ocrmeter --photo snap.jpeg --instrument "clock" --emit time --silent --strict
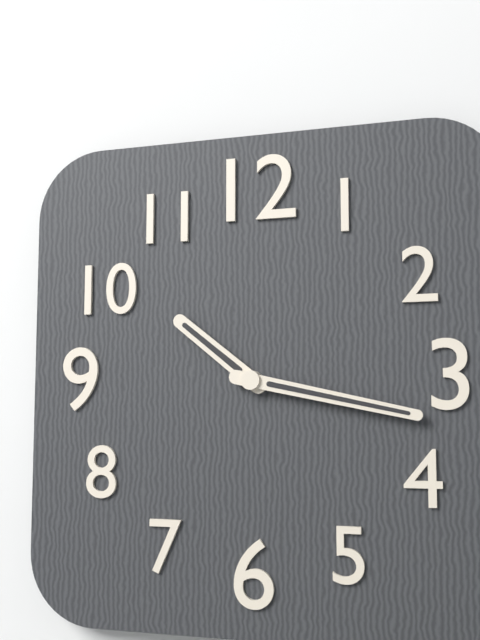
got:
10:17
